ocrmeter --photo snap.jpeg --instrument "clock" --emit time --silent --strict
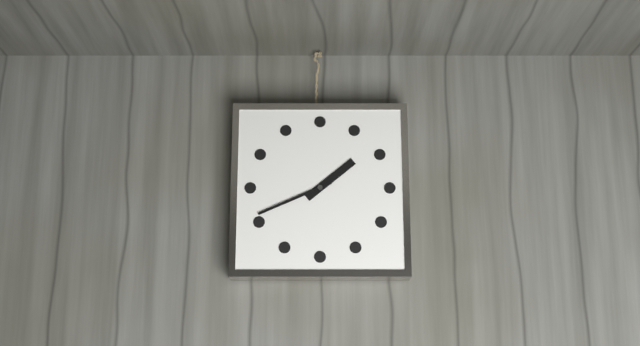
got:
1:41
